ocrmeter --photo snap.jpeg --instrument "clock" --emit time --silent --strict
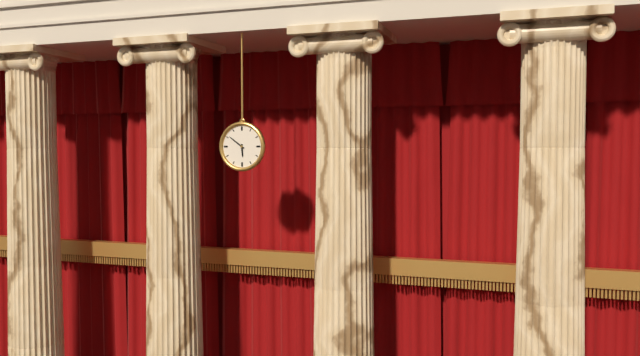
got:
5:51
